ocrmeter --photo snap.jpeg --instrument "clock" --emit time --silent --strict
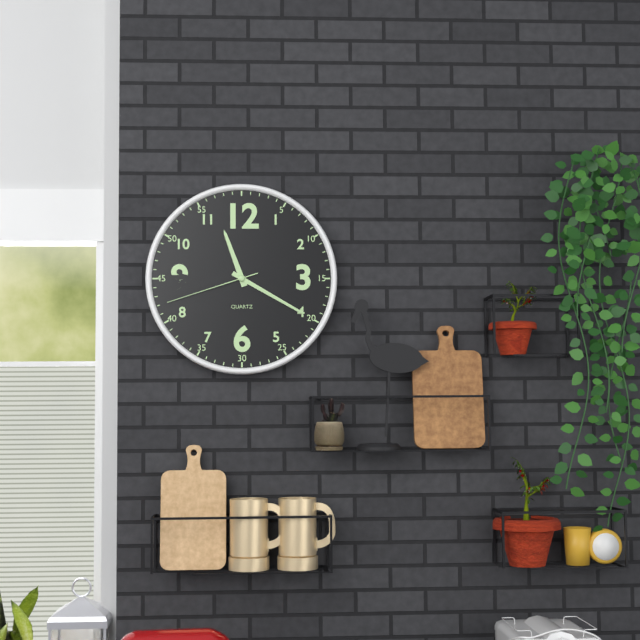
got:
11:20:42
